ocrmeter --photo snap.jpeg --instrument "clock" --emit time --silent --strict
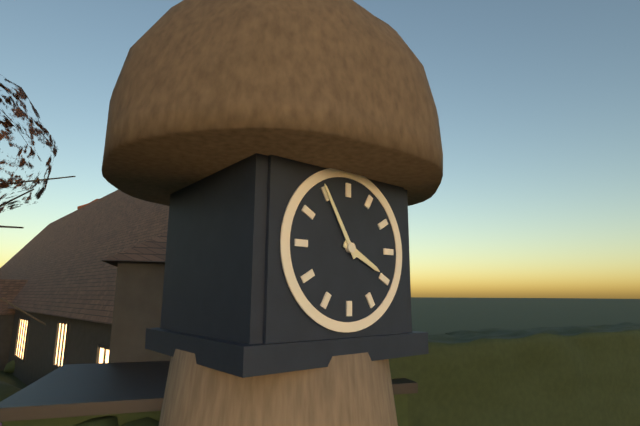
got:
3:55
